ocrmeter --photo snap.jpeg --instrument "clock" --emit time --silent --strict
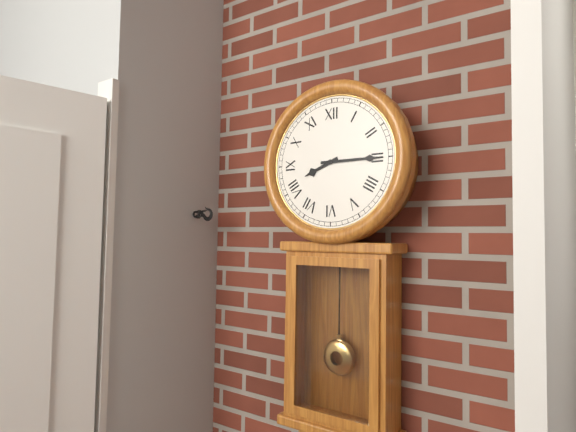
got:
8:15
